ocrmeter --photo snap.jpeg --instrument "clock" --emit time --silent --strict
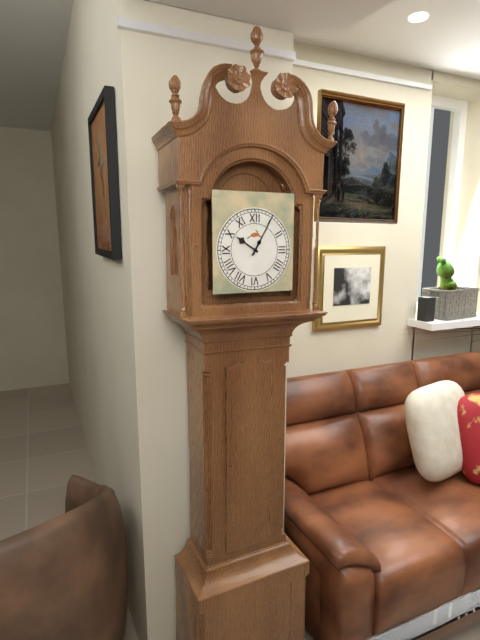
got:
10:05
